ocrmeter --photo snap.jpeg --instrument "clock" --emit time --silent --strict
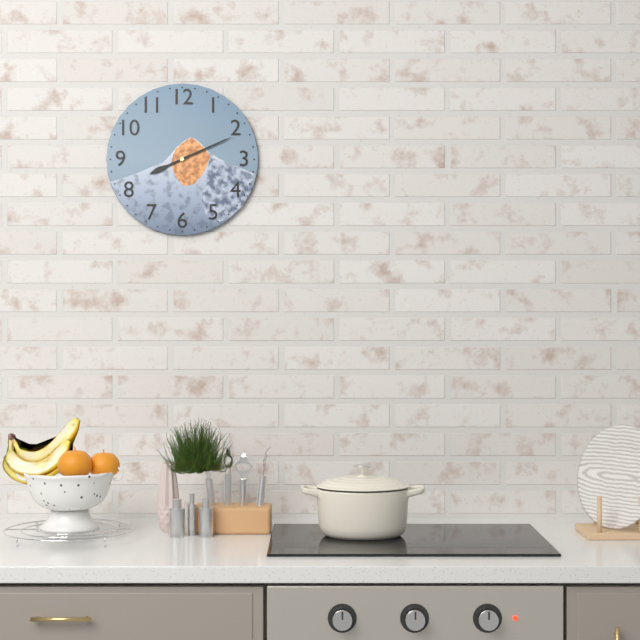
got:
8:11
